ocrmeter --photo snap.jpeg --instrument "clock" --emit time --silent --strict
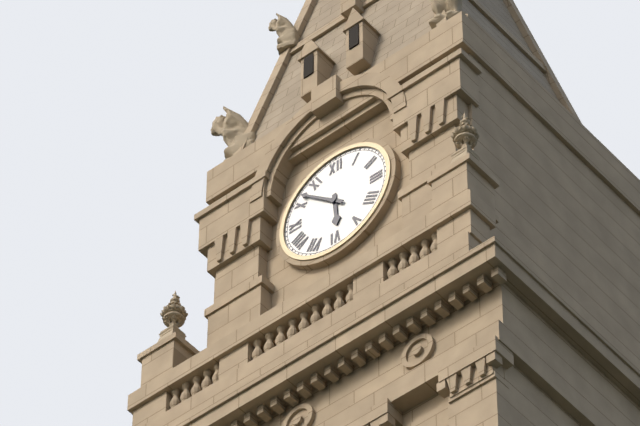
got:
5:52
